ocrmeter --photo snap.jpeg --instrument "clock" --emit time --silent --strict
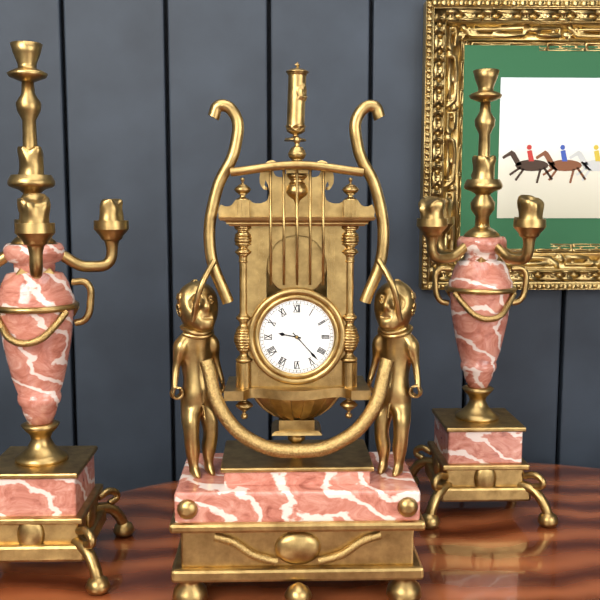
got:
9:23
